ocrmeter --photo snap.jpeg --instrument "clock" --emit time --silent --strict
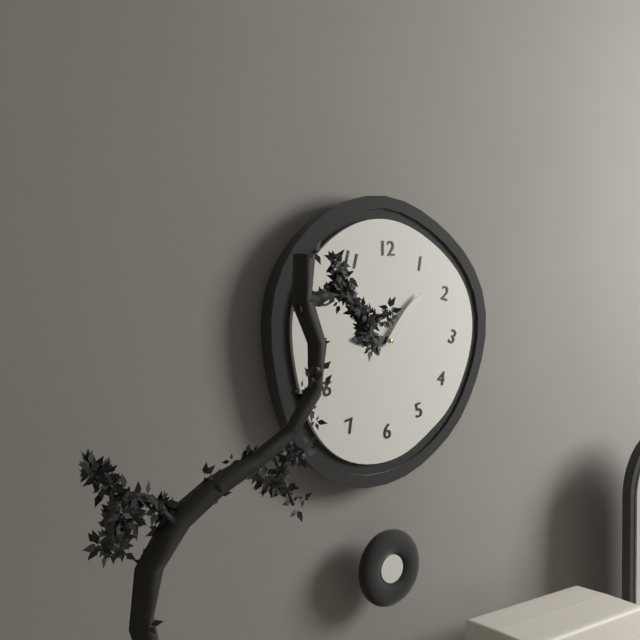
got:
9:07
